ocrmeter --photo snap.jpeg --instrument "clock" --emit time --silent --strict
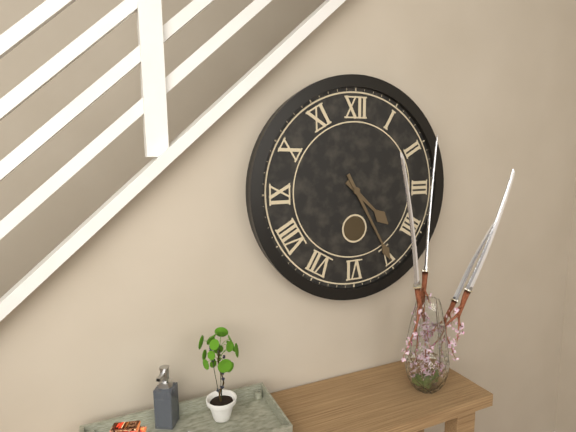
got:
4:25
